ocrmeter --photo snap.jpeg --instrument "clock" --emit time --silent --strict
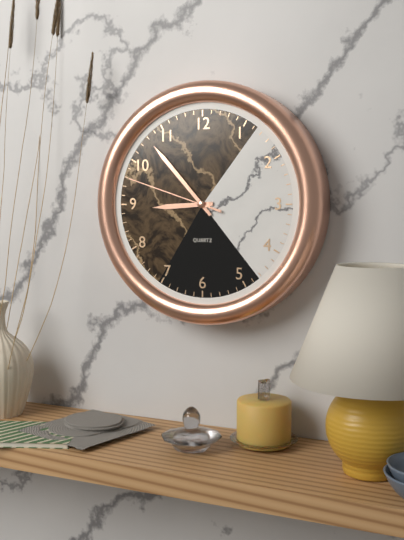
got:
8:53:48
